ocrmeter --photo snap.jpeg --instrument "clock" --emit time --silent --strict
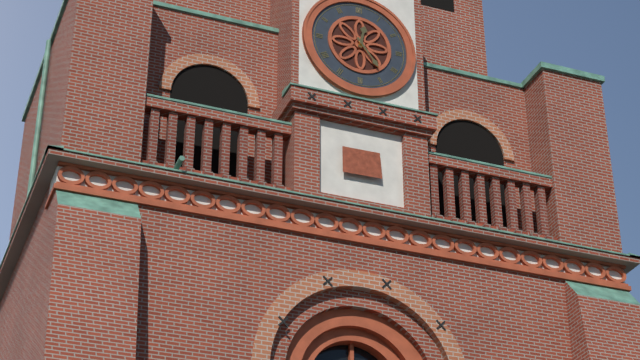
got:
12:24
